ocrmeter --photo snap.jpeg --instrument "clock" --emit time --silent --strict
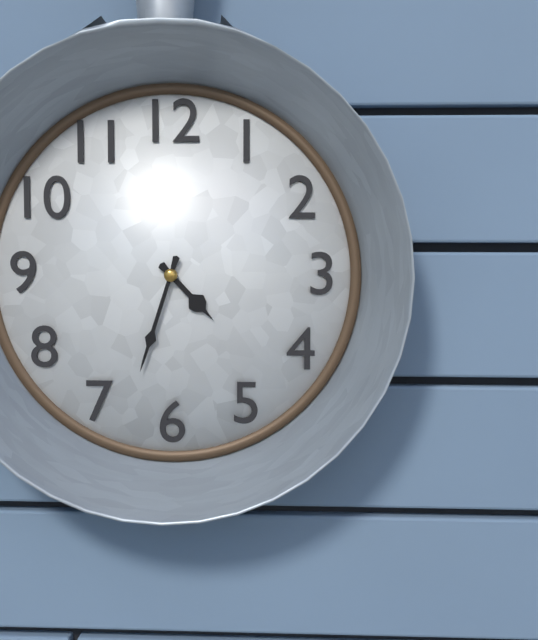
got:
4:33
